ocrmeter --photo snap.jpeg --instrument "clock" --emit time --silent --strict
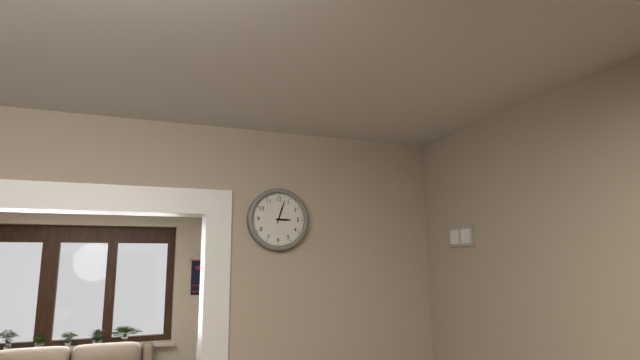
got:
3:03
